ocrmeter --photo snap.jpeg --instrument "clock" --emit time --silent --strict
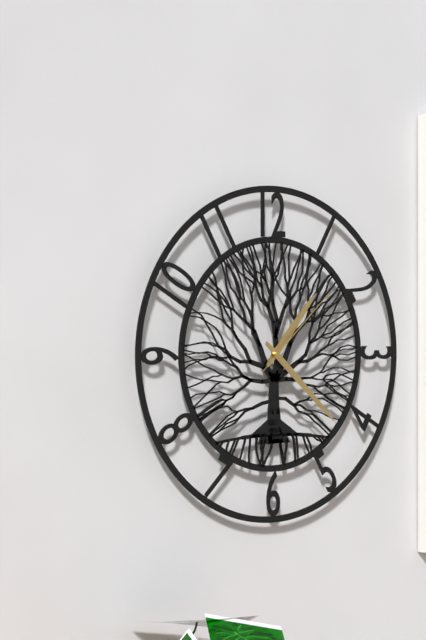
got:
1:22:08
